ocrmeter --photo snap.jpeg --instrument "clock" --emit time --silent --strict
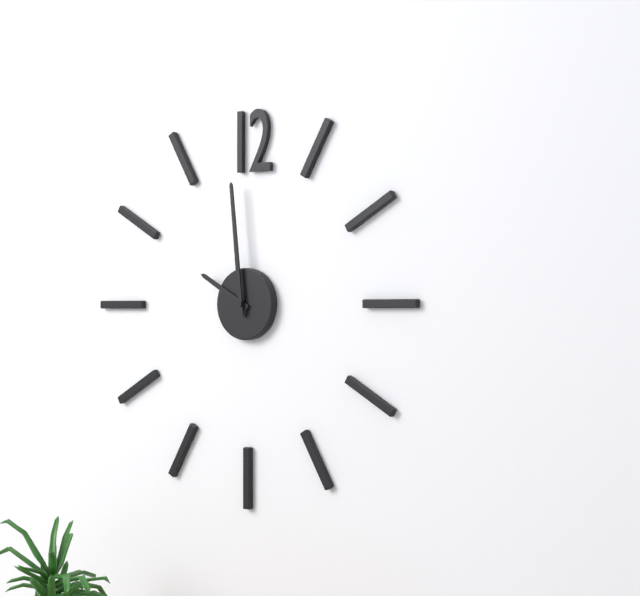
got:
9:59
